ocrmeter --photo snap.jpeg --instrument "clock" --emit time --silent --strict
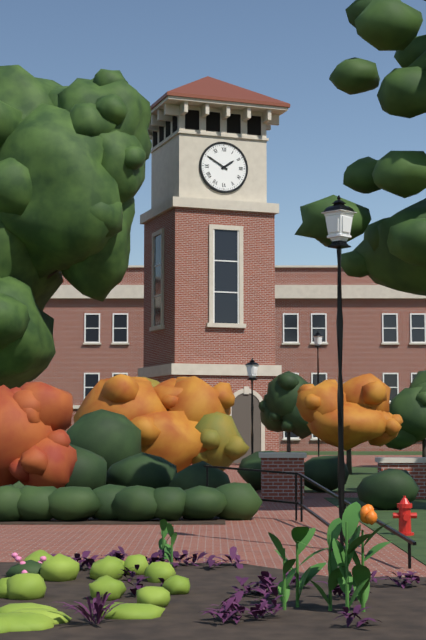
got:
1:50
